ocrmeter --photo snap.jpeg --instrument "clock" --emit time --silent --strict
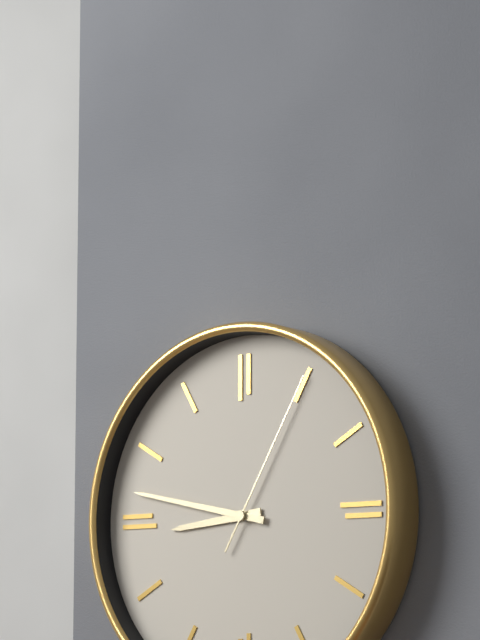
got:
8:47:05
